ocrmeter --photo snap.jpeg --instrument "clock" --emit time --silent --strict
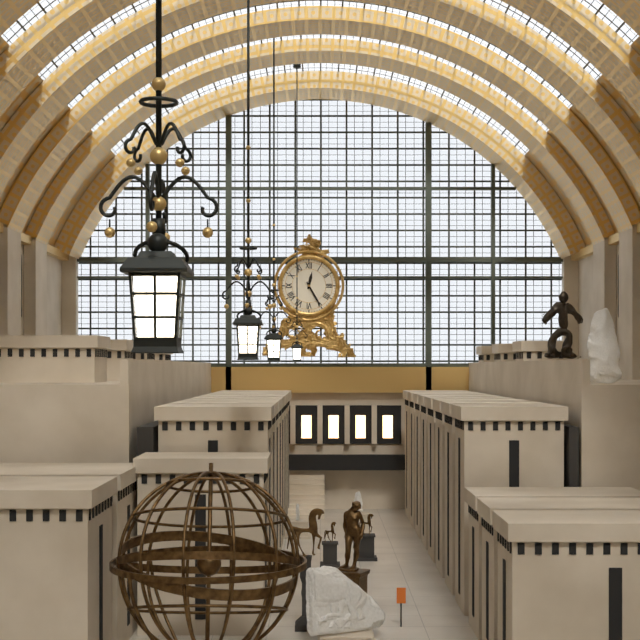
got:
12:25
